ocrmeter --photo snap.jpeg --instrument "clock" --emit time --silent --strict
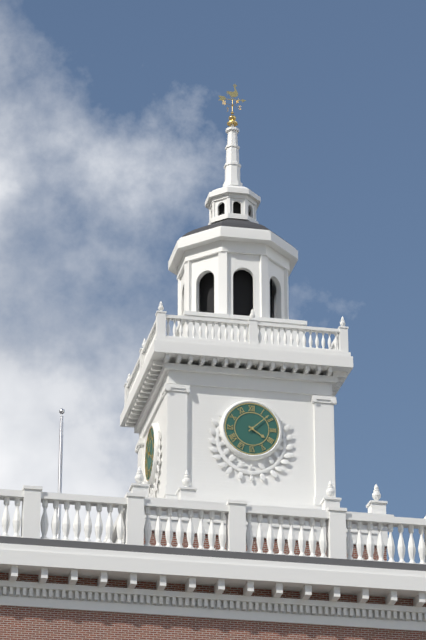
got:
4:08
